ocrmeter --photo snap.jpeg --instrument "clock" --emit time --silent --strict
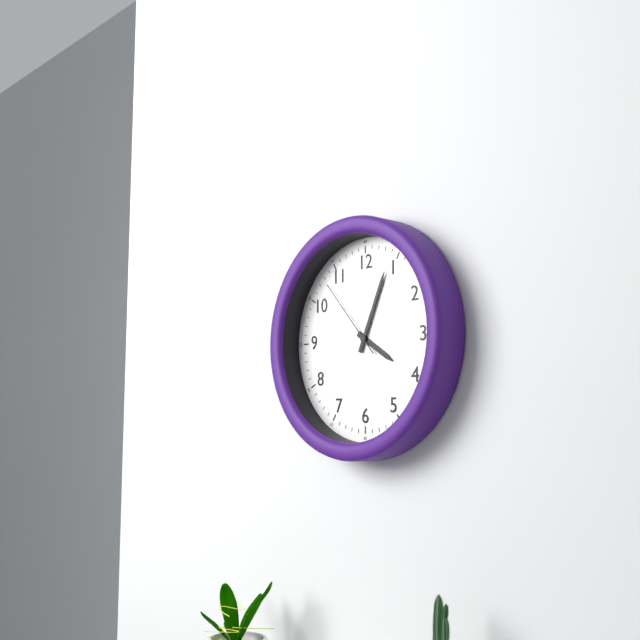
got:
4:04:53
